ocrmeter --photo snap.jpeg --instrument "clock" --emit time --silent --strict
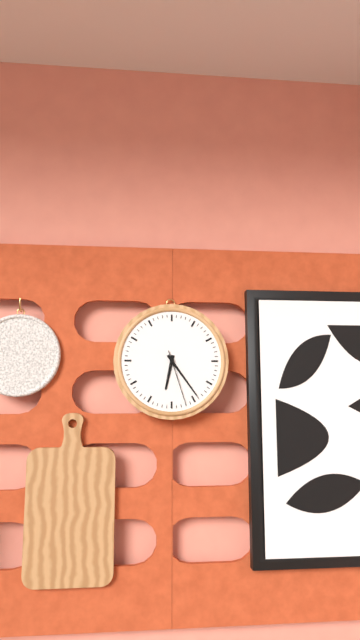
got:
6:24:27
